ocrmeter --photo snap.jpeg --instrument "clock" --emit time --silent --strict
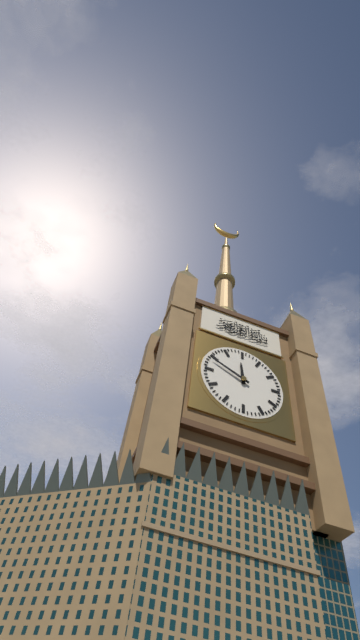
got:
11:49
